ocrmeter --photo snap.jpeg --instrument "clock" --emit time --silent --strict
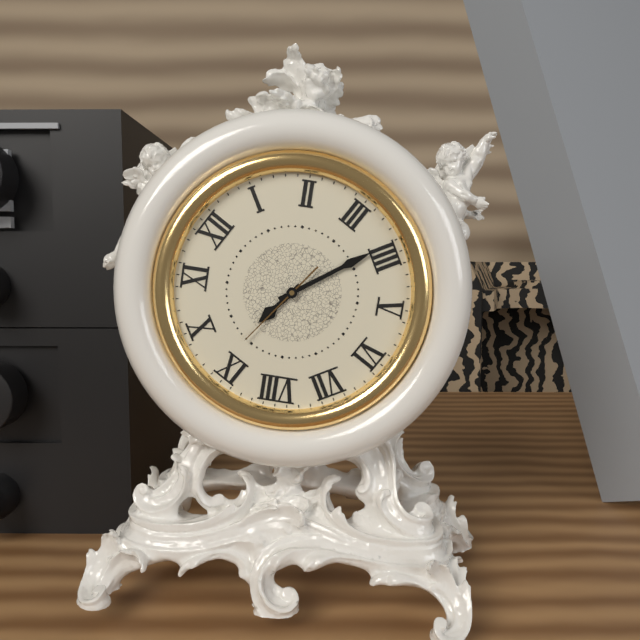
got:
9:19:46
